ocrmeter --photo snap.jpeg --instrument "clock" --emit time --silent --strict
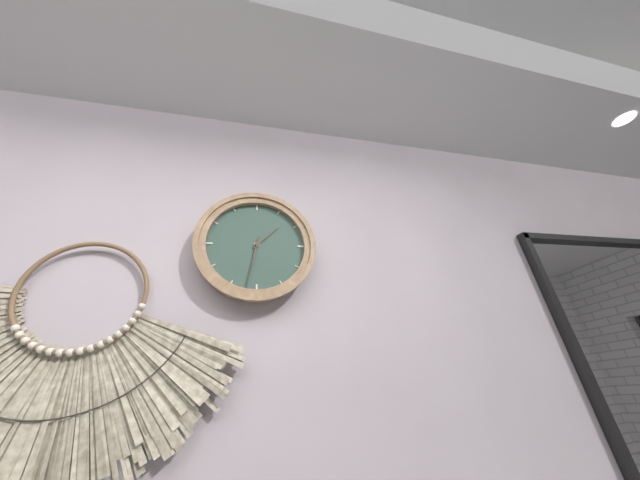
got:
1:32
